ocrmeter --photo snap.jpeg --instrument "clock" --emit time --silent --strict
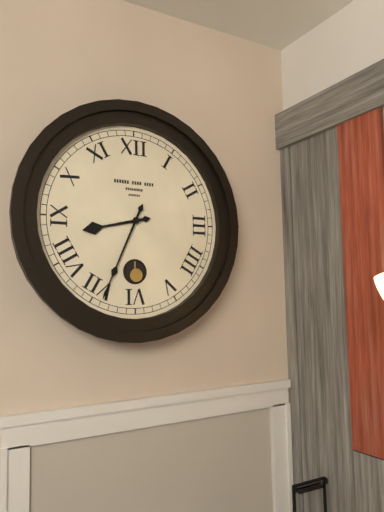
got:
8:34
